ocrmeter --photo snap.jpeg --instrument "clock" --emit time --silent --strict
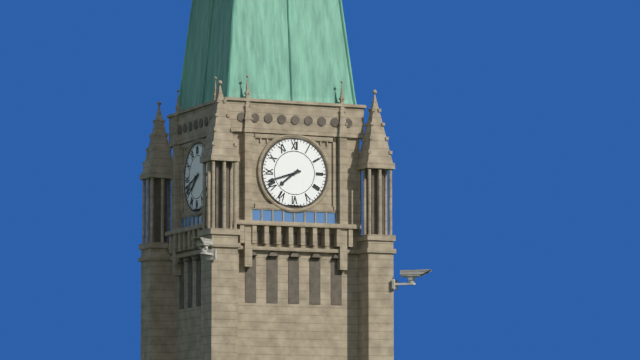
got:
7:42
